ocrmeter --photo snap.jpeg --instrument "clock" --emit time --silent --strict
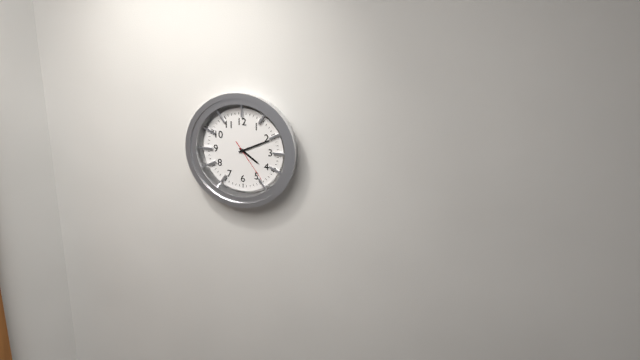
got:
4:11
